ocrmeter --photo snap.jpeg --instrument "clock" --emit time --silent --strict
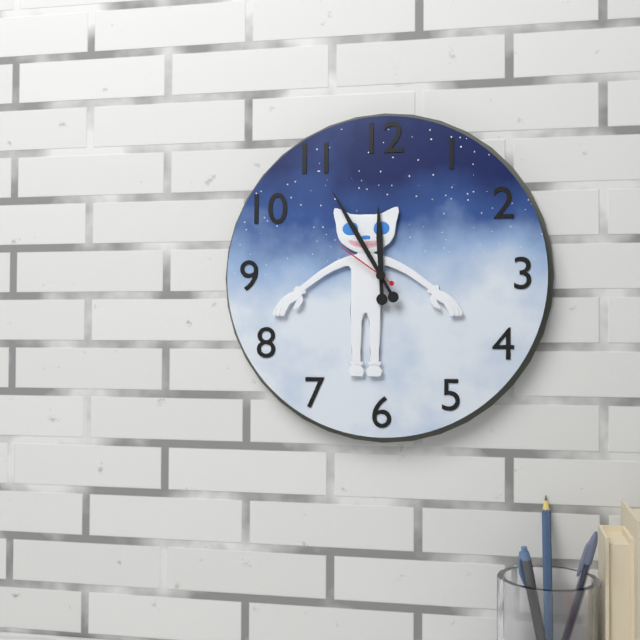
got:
11:55:51
